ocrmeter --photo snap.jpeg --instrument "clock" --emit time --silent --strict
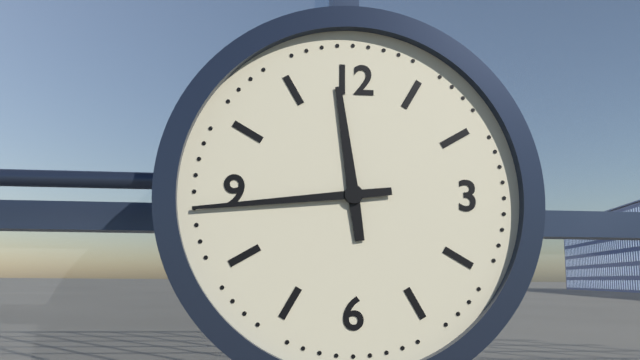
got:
11:44
